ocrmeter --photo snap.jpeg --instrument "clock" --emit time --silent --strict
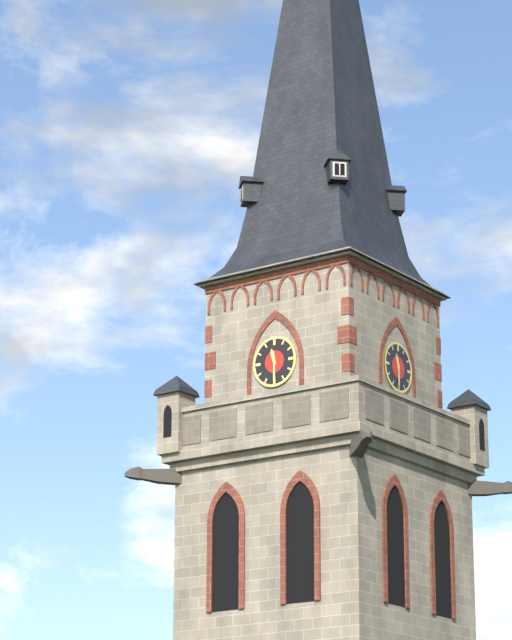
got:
11:30
